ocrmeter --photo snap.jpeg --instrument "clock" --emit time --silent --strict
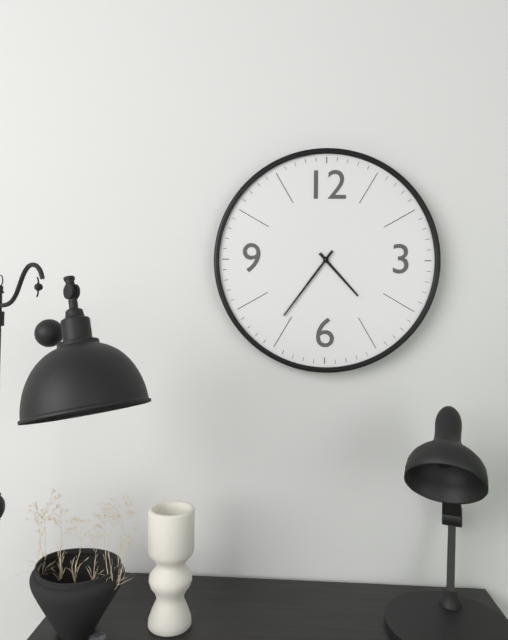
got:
4:36
